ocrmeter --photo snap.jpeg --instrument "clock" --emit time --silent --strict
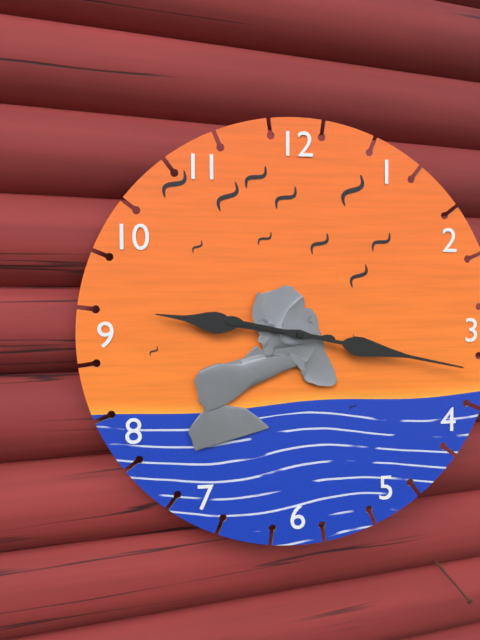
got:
9:17
